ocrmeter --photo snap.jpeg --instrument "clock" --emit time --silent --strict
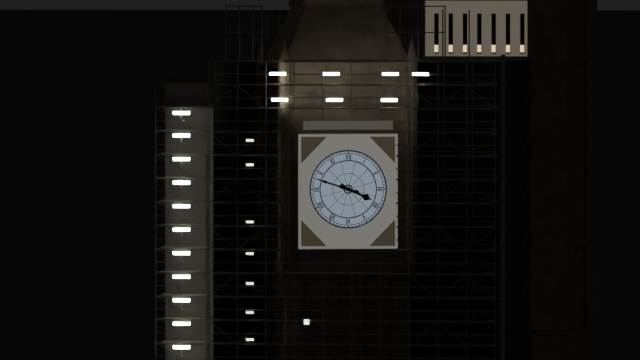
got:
3:48
